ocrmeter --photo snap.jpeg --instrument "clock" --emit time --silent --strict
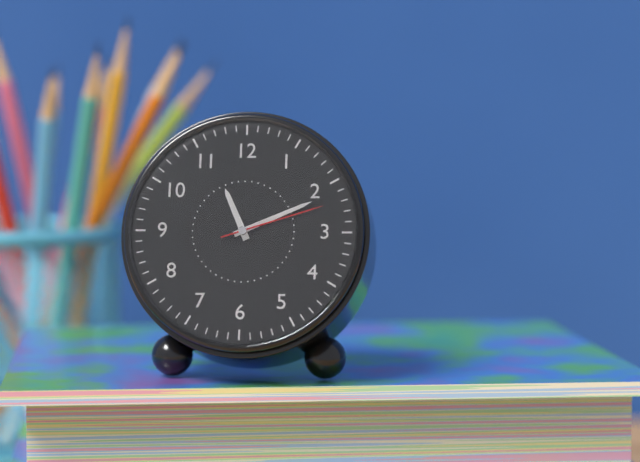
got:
11:11:12
